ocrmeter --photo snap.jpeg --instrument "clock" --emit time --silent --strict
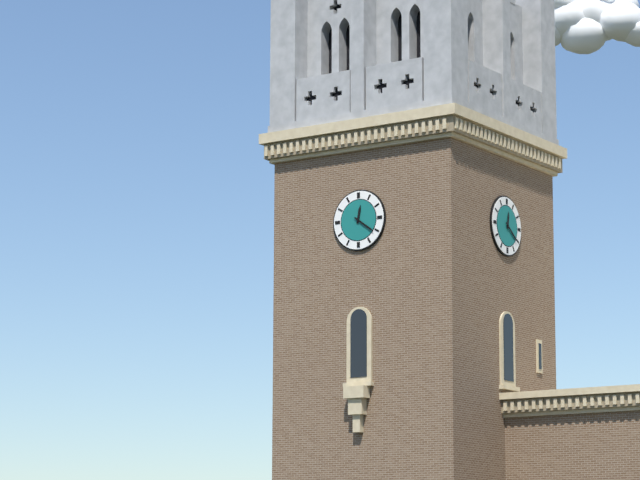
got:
12:21
